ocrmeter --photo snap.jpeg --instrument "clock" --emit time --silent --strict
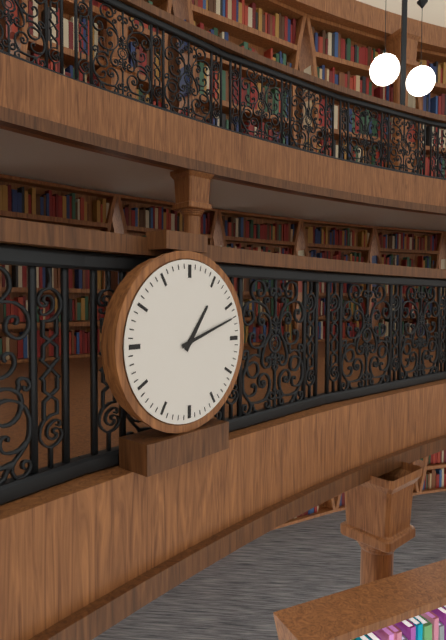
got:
1:12
